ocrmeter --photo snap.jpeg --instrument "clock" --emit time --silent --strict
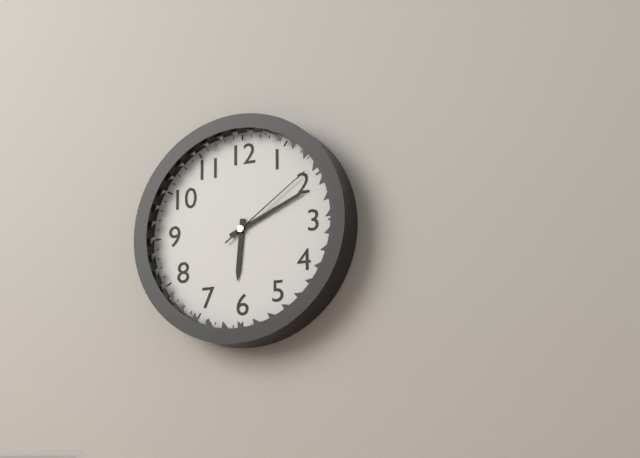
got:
6:11:09
